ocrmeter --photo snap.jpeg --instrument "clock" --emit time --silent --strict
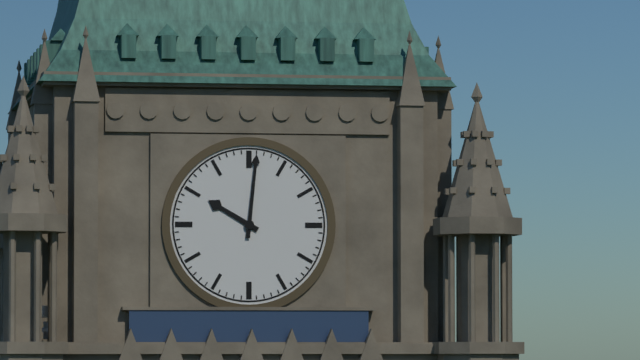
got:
10:01
